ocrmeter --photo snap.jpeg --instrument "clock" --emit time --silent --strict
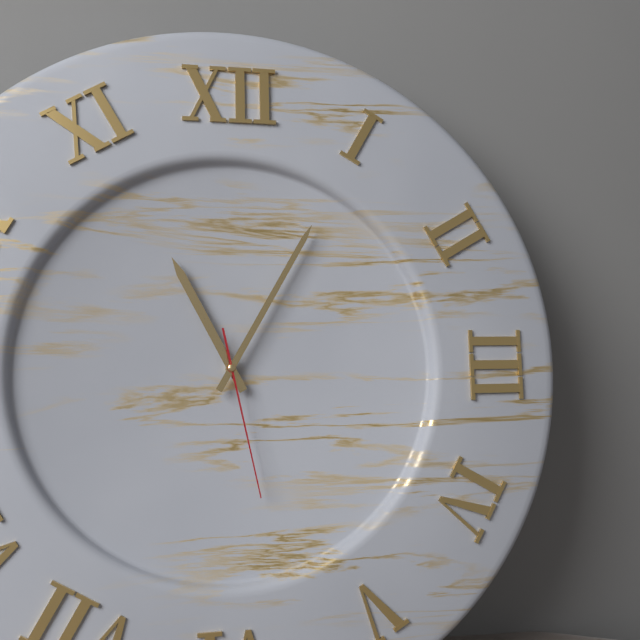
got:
11:05:28
